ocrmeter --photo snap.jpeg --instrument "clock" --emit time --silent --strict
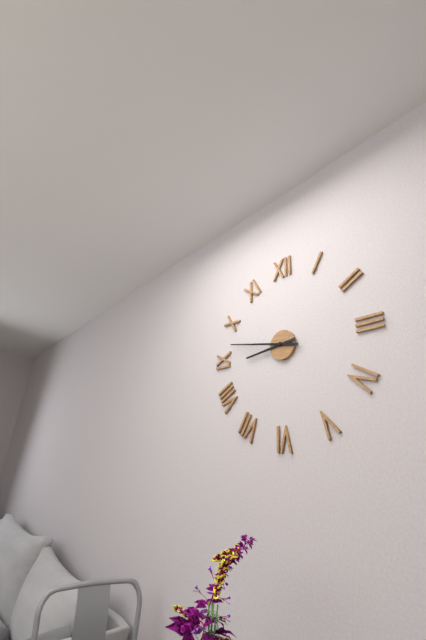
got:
8:47
